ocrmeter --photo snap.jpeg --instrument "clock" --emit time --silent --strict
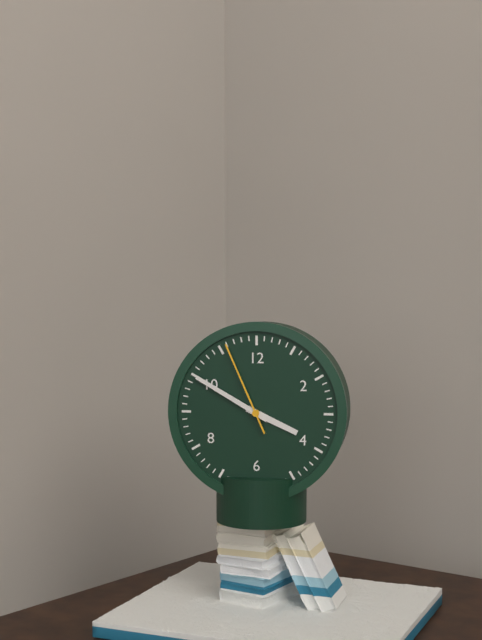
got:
3:50:56
